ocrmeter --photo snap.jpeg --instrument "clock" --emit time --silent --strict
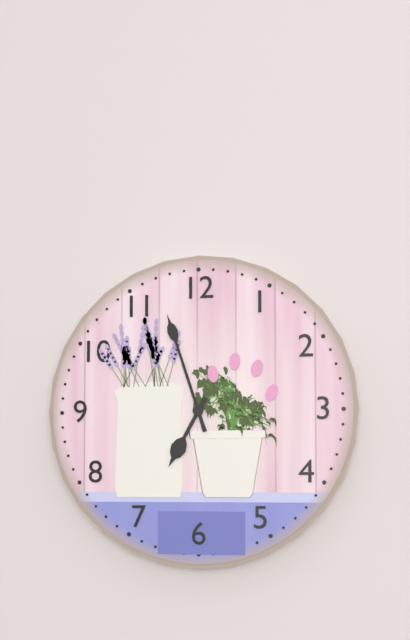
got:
6:57
